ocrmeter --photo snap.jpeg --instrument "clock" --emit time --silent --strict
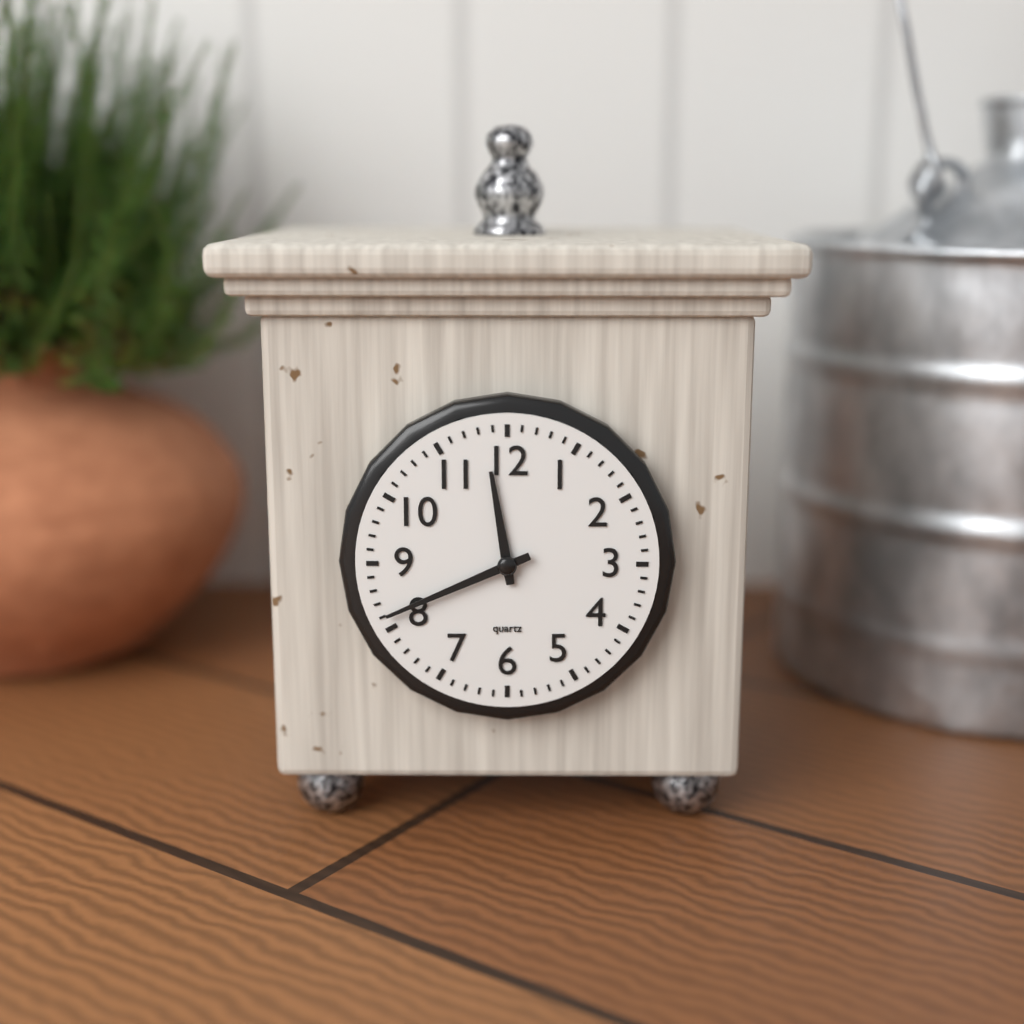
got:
11:41
